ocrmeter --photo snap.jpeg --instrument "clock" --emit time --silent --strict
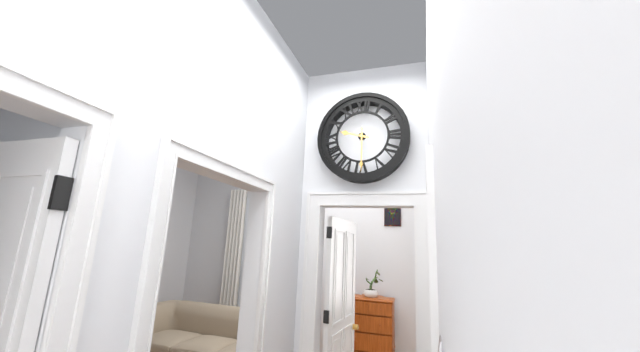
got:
9:30
